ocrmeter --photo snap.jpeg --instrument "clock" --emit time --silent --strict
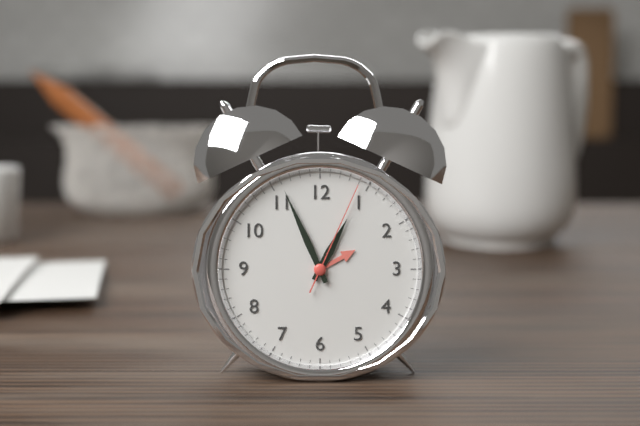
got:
12:56:04
